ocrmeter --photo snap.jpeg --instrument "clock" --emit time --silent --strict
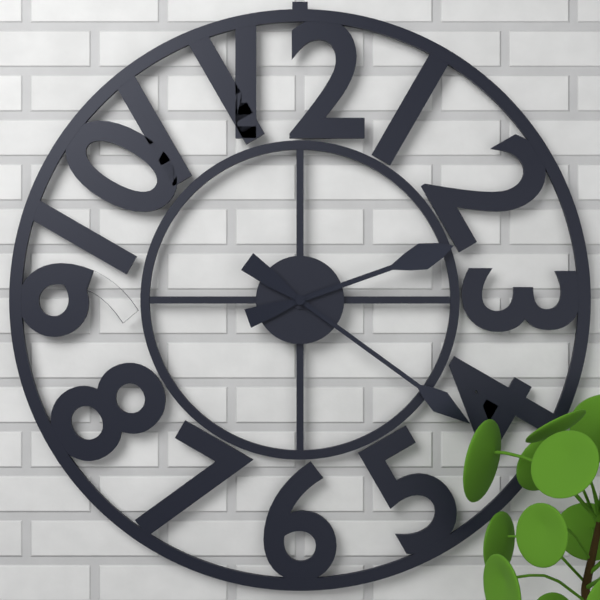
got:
2:21
